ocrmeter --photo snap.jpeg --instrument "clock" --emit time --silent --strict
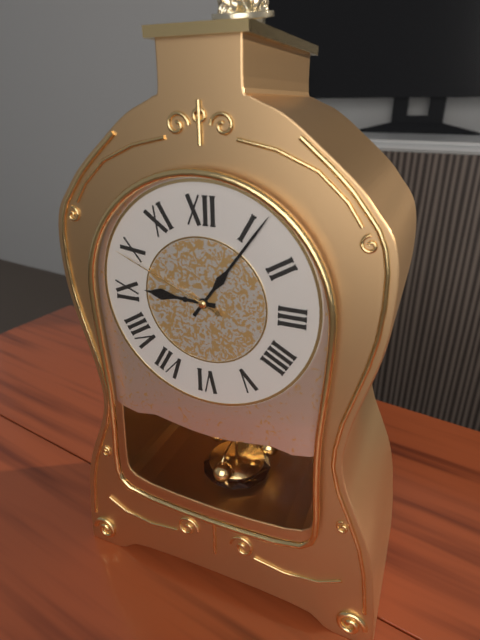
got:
9:06:49
